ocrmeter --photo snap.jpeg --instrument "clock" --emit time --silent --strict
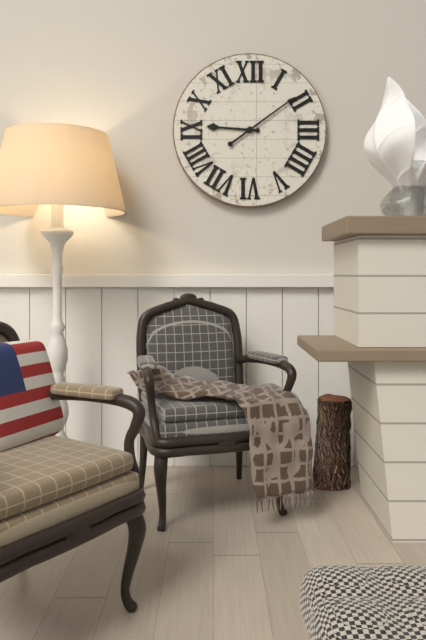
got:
9:09
